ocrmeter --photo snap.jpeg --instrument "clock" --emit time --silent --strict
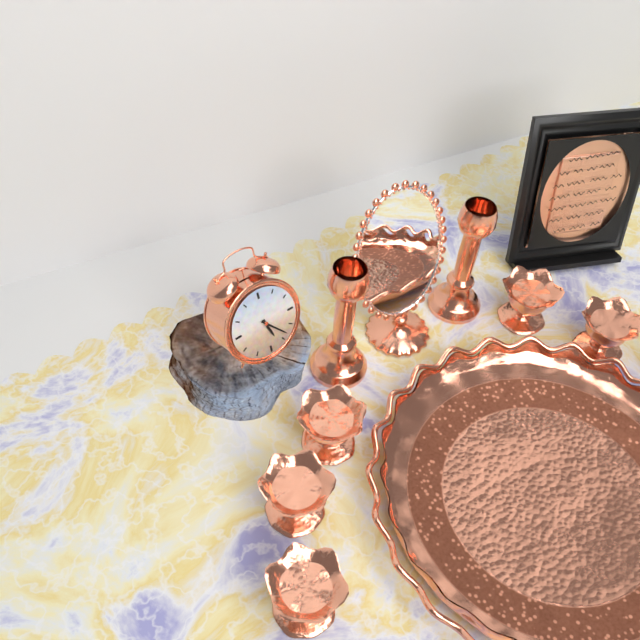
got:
5:23
